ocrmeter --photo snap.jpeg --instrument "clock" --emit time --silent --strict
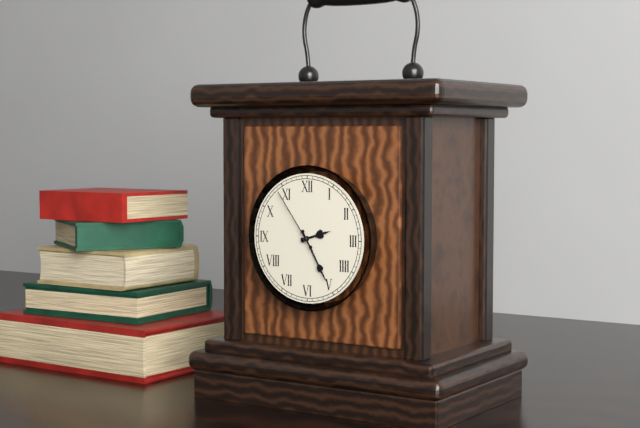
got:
2:25:54
